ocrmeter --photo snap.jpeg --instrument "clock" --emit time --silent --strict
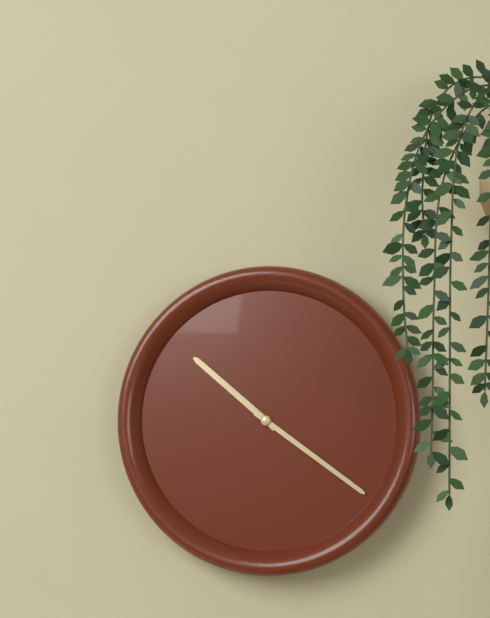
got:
10:21
